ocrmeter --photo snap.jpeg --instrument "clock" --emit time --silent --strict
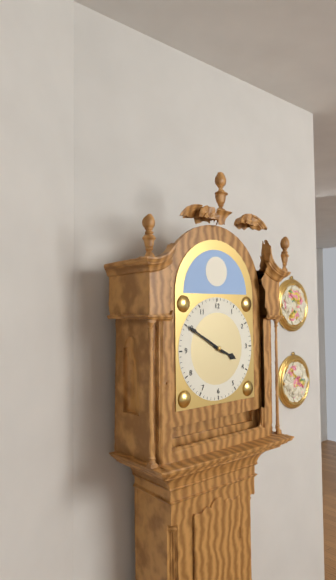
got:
3:50
